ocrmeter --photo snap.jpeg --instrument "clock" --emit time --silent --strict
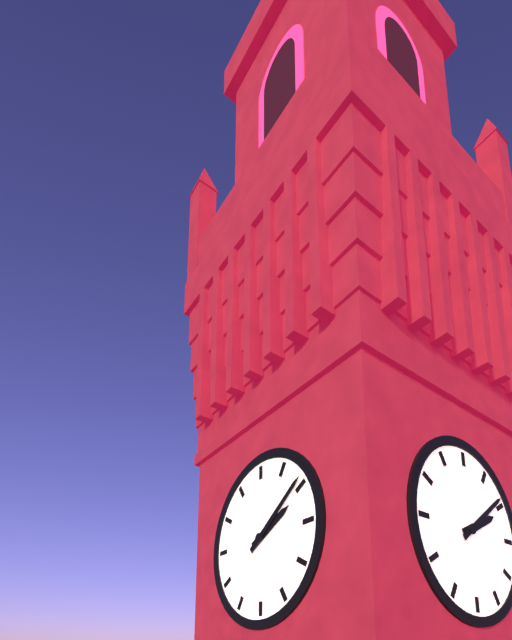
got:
2:09
